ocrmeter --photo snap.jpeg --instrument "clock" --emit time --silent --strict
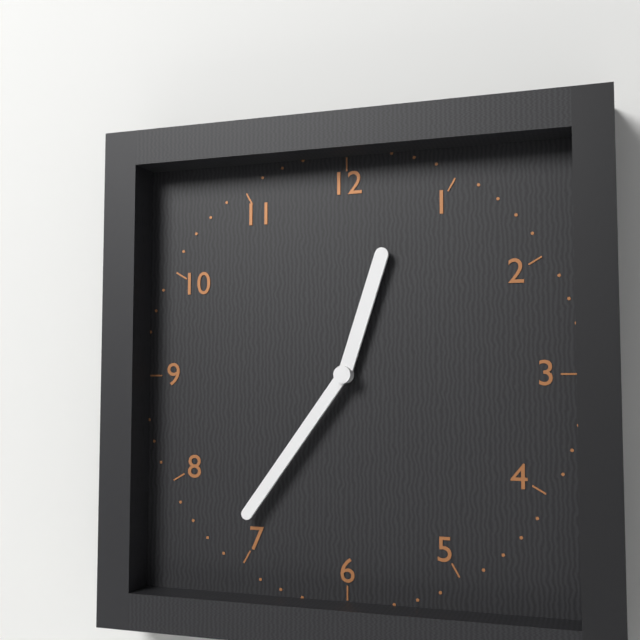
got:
12:36
